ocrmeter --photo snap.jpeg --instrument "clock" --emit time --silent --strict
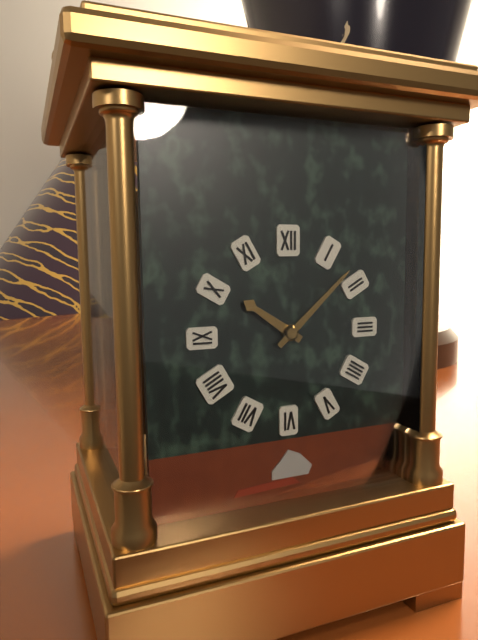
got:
10:08
